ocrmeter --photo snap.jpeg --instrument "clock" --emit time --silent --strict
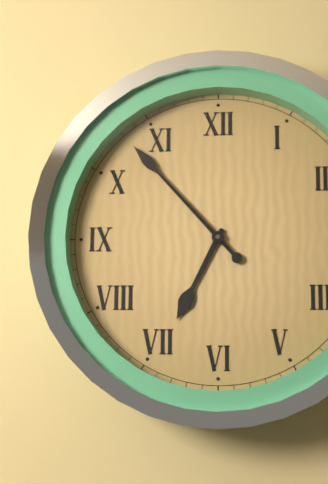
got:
6:53
